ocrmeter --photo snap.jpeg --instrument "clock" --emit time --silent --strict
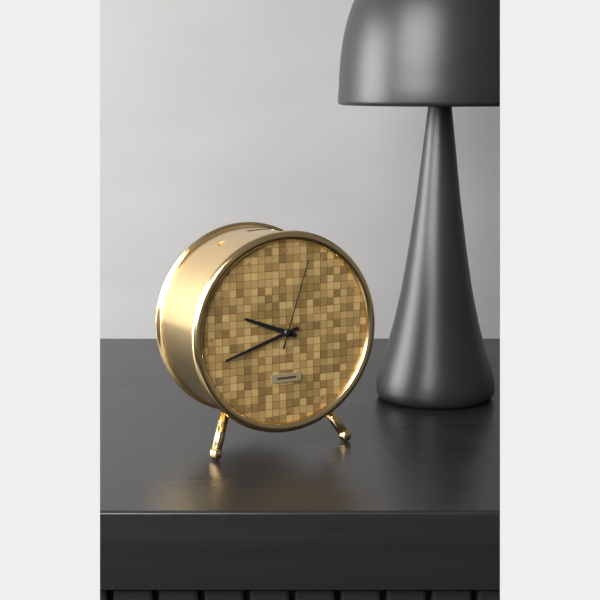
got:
9:42:03
